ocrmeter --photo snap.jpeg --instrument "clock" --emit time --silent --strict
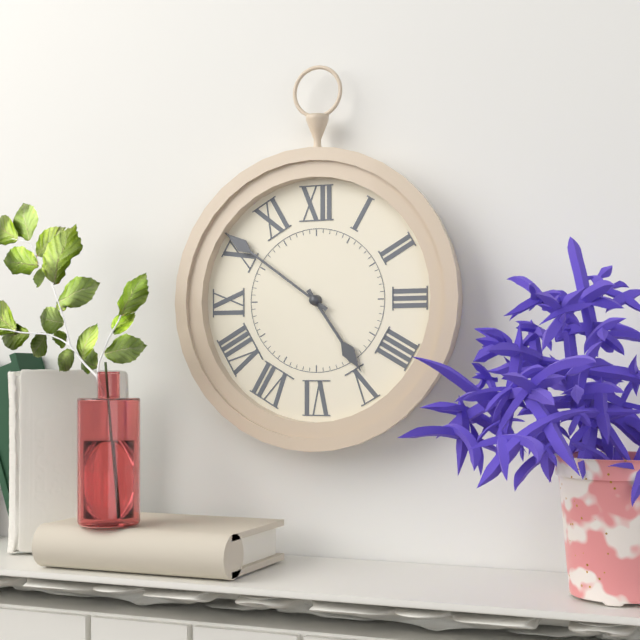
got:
4:51
